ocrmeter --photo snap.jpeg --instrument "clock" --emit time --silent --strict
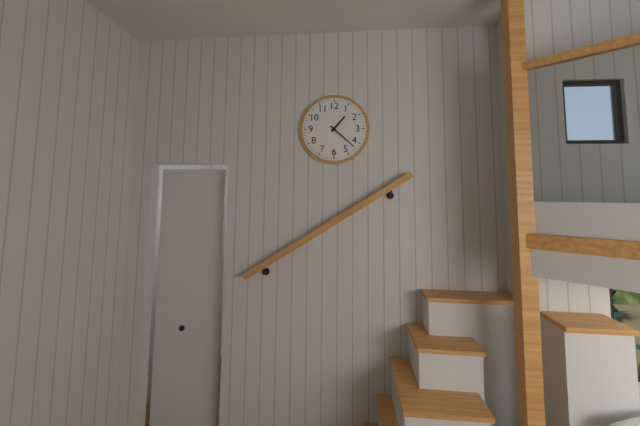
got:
1:22
